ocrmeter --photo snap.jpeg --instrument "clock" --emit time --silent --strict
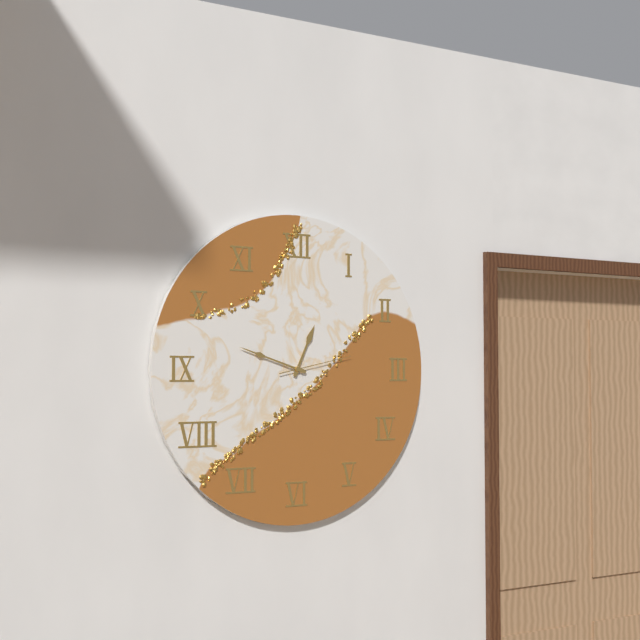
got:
12:48:13
